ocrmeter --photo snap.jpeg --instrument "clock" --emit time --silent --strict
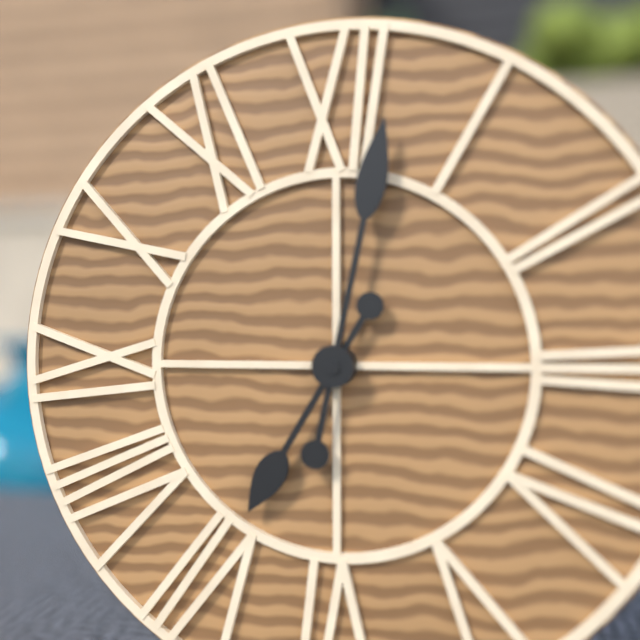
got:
7:02
